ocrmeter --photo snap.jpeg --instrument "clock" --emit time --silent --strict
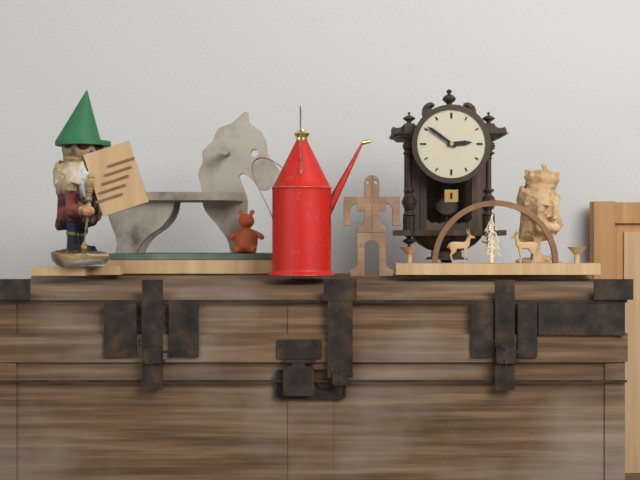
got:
2:51
